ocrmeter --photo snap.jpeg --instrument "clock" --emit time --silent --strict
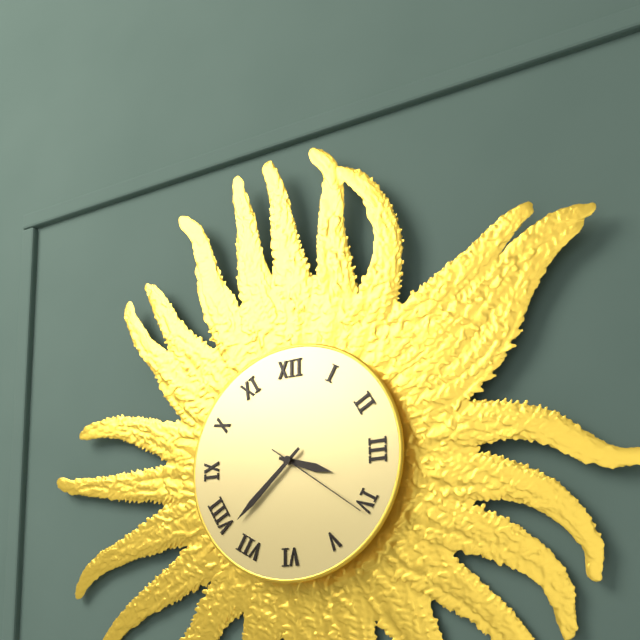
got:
3:38:21
